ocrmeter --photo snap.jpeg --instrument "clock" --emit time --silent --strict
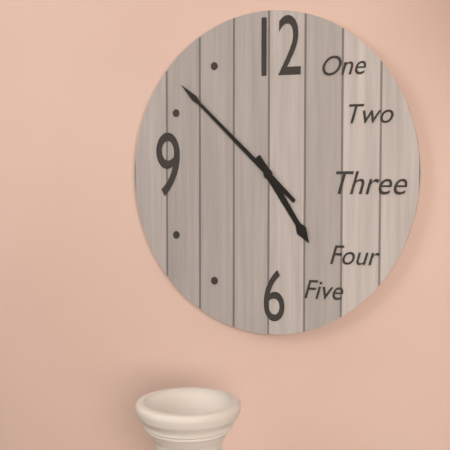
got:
4:52
